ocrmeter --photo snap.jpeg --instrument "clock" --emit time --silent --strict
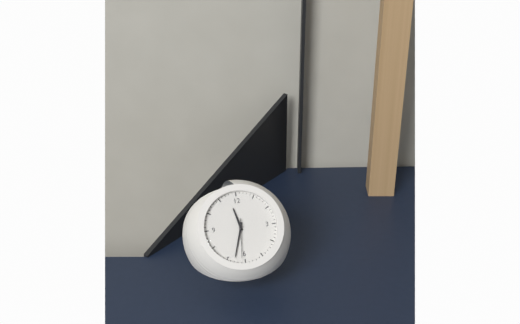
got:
11:33
